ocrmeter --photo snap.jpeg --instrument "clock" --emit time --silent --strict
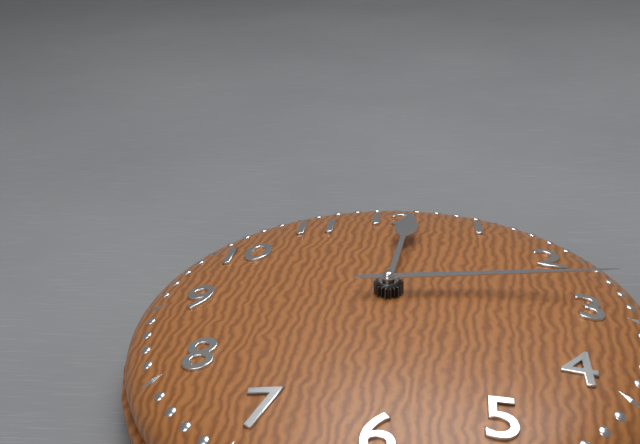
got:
12:14
